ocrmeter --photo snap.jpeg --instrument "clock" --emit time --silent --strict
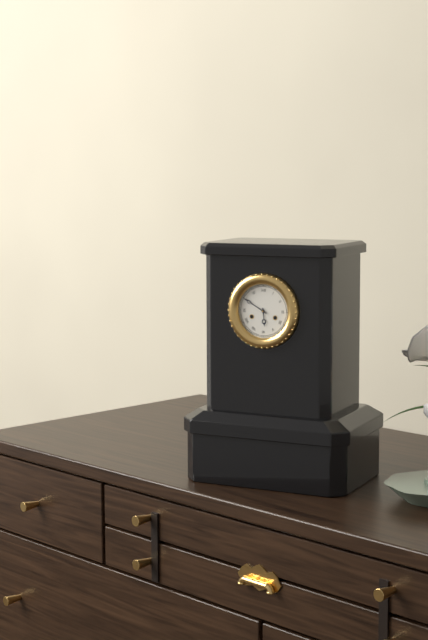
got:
5:50
